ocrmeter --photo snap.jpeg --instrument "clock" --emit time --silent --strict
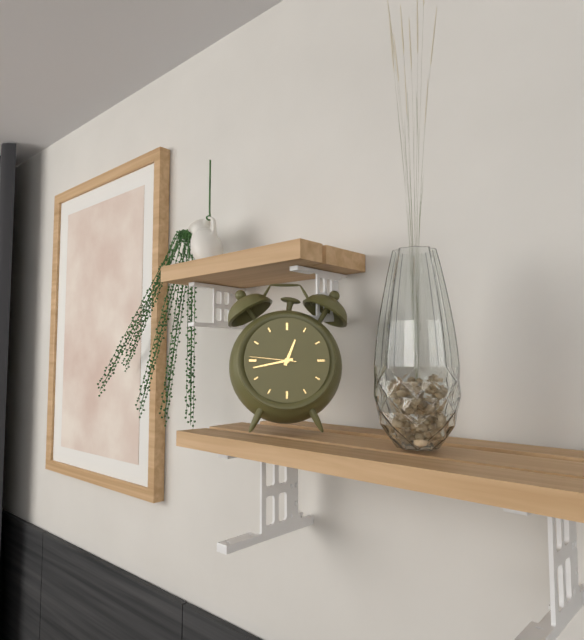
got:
12:43
